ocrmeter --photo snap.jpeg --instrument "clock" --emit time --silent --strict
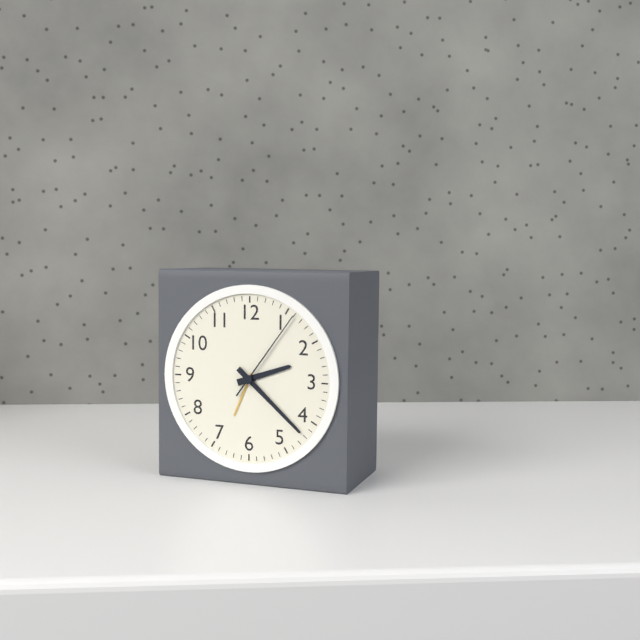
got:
2:22:06
